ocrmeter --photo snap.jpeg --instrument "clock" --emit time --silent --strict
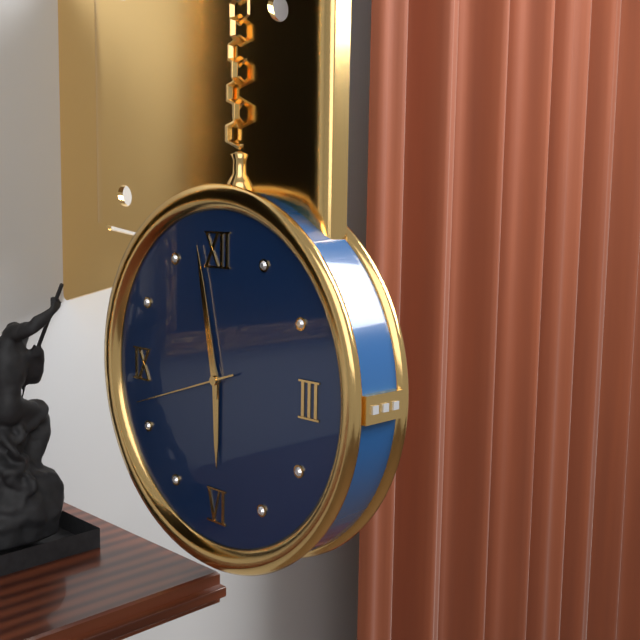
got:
5:58:42
